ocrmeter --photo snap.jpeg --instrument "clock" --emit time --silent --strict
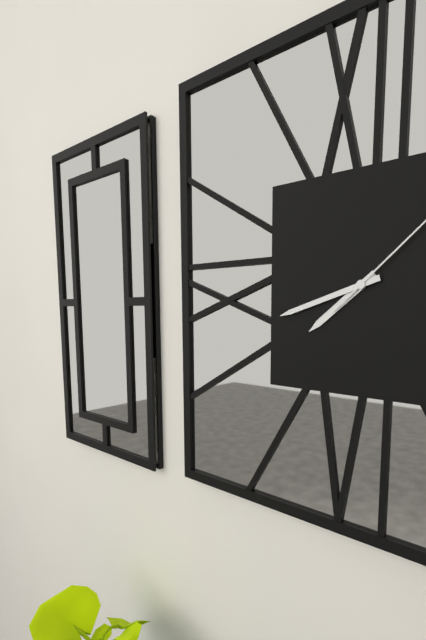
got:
7:42
